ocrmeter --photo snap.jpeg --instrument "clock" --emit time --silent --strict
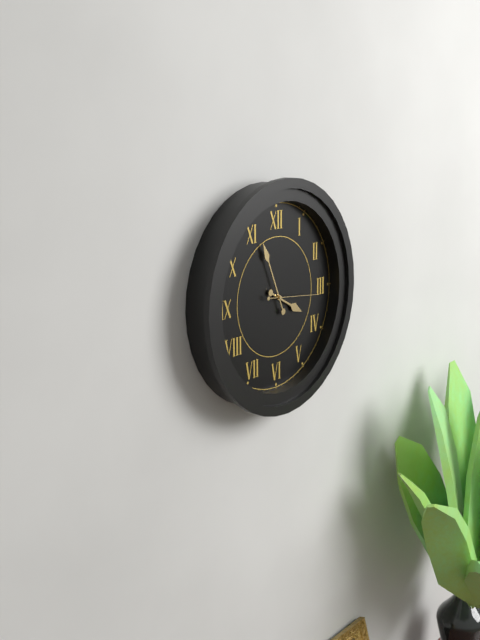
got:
3:56:16
